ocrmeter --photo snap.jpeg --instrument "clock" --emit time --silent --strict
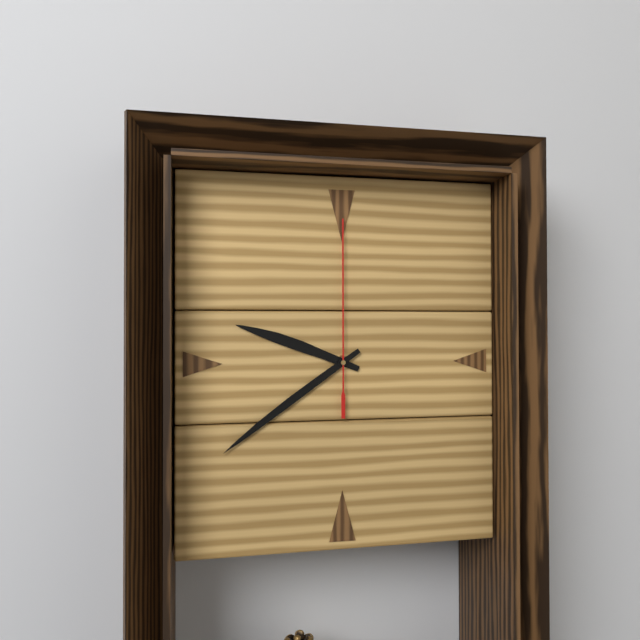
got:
9:39:00
